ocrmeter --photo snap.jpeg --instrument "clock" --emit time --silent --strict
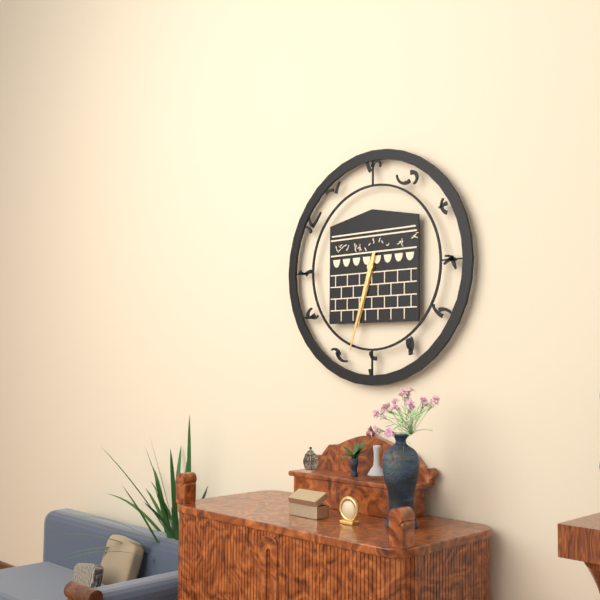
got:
6:33
